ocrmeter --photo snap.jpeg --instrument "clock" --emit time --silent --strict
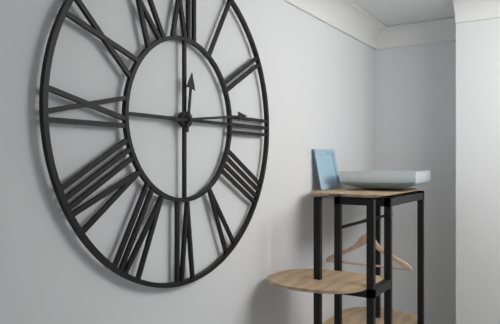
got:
12:14
